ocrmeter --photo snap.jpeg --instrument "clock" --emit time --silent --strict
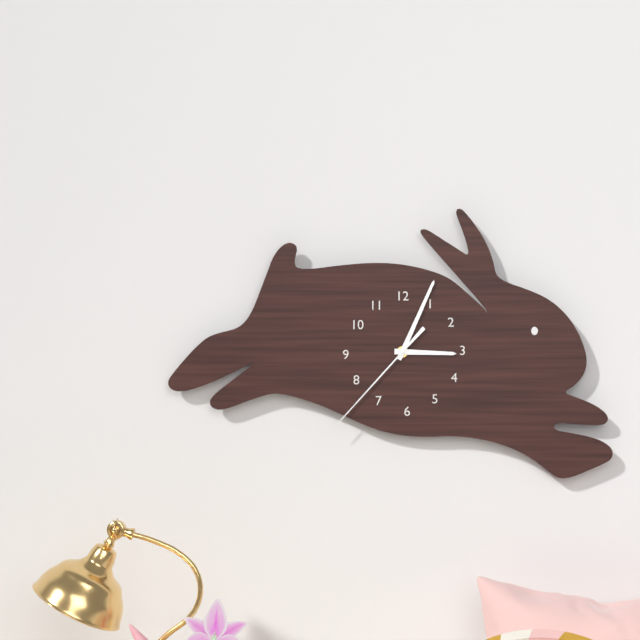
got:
3:04:37
